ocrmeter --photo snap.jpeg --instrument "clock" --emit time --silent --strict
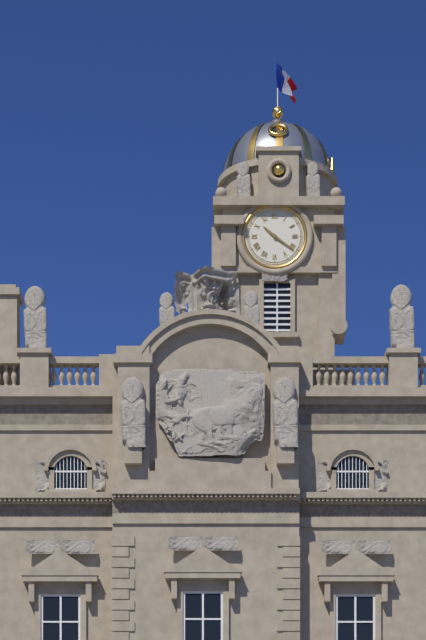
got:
10:21
